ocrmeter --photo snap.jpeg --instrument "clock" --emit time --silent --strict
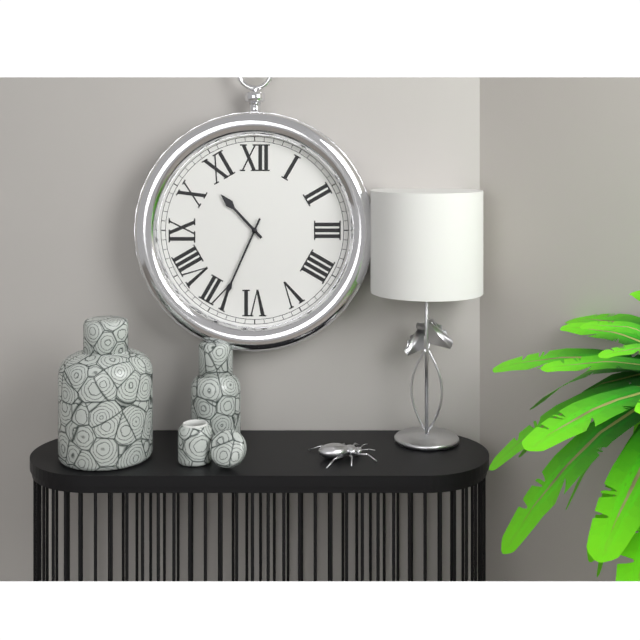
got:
10:34
